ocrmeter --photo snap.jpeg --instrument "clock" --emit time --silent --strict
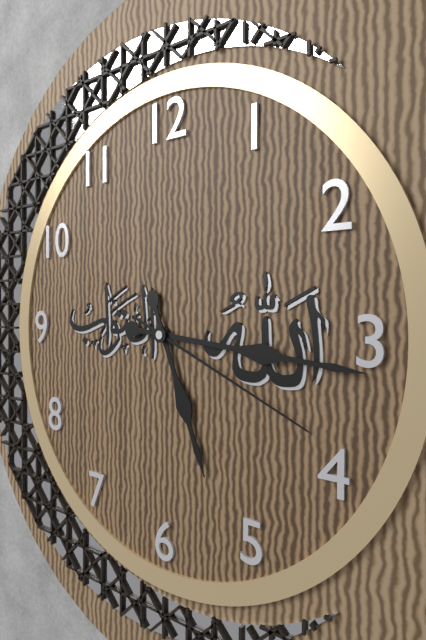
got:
5:16:19
